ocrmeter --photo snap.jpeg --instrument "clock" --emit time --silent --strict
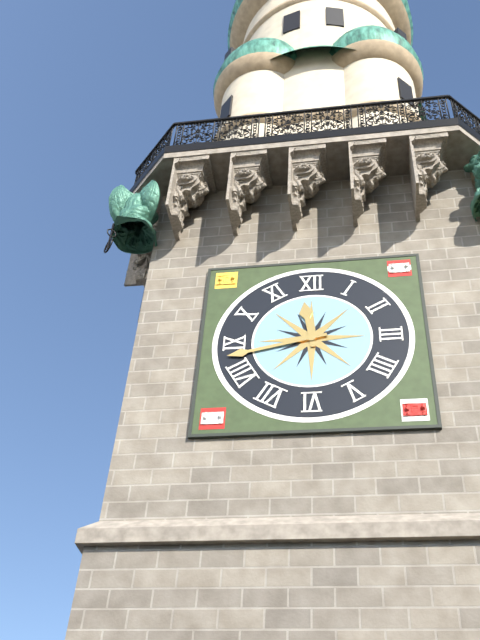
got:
11:43
